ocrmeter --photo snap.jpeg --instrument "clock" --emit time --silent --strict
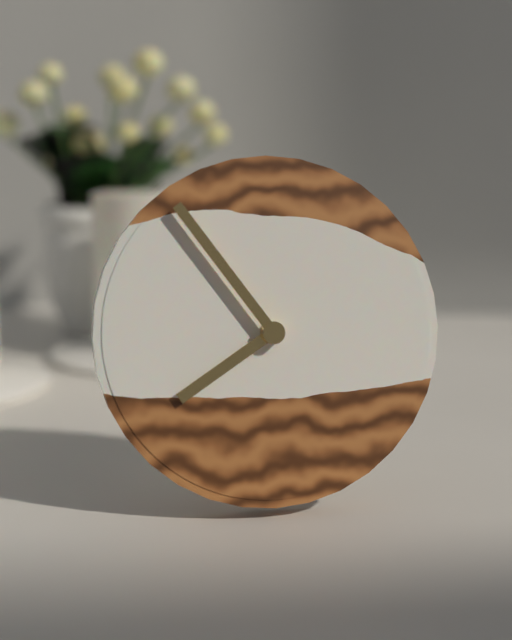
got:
7:54
